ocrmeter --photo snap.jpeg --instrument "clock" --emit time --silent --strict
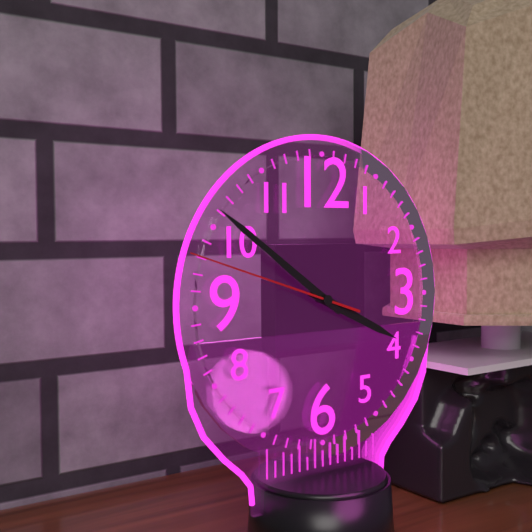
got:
3:51:48
